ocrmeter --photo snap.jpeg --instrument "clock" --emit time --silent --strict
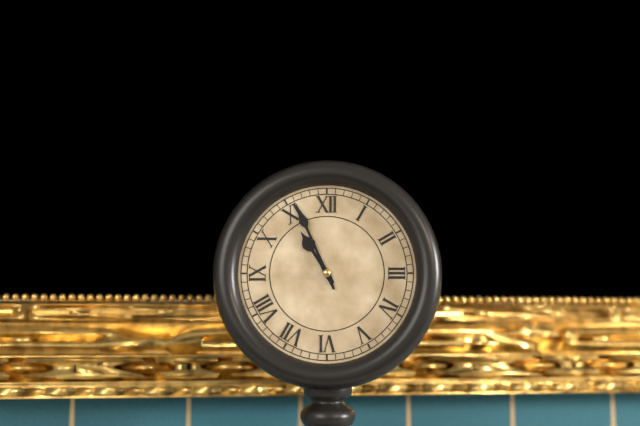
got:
10:56
